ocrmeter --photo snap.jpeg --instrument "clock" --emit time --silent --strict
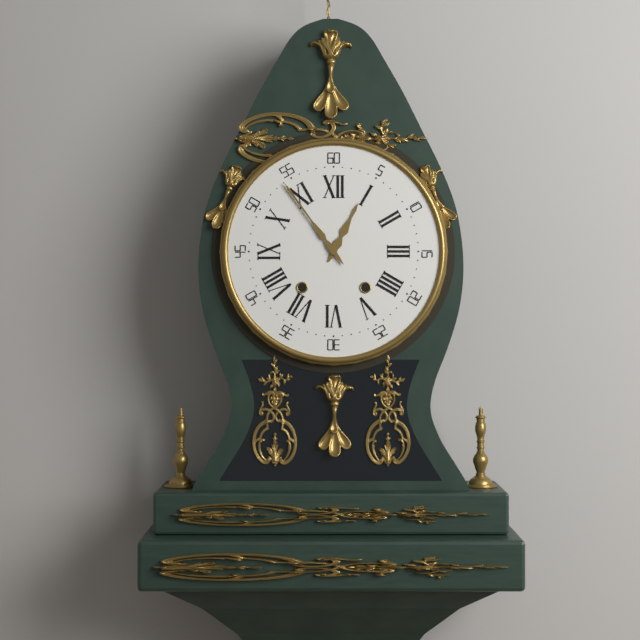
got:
12:54
